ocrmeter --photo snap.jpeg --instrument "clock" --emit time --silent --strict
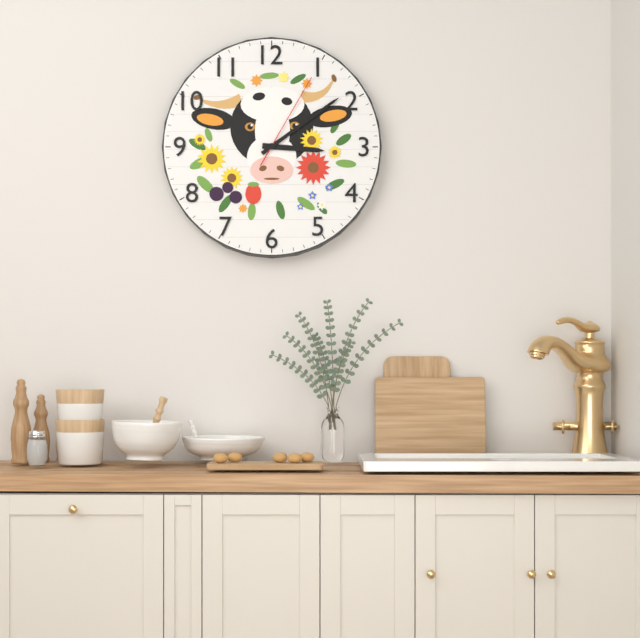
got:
3:09:05
